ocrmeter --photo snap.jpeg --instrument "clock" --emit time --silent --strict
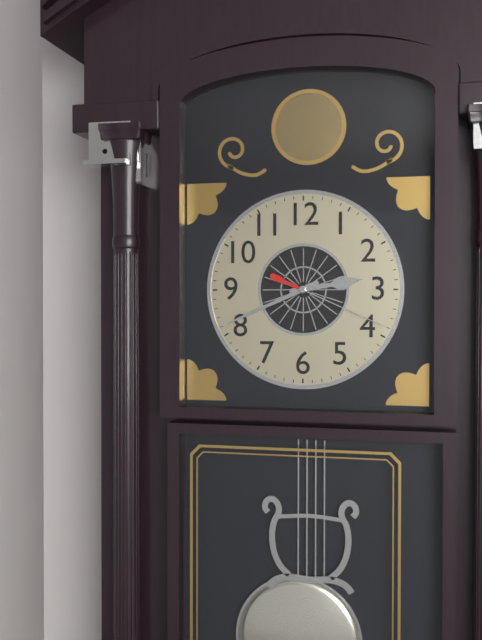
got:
2:41:19
